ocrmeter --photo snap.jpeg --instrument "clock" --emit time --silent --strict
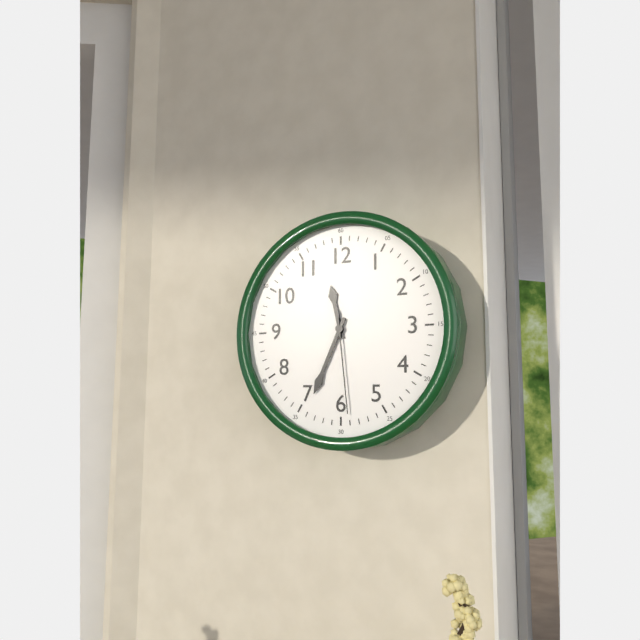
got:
11:34:29
